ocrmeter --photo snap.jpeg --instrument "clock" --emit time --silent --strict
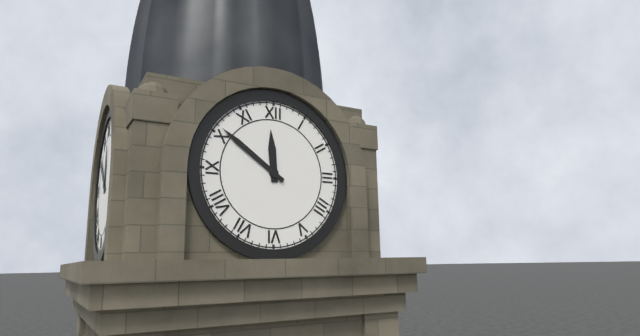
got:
11:51
